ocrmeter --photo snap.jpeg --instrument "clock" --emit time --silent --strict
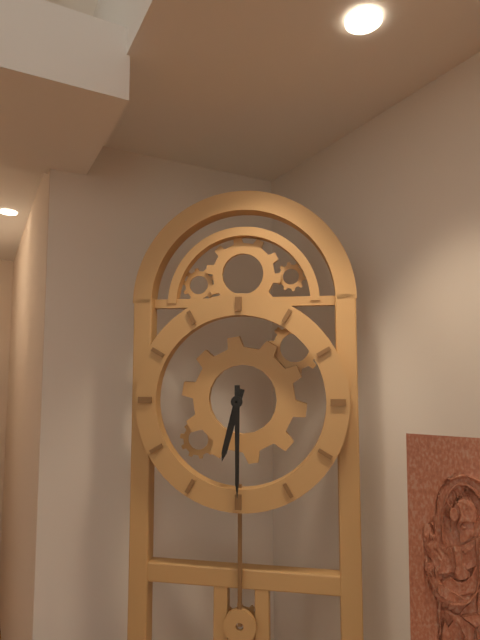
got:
6:30
